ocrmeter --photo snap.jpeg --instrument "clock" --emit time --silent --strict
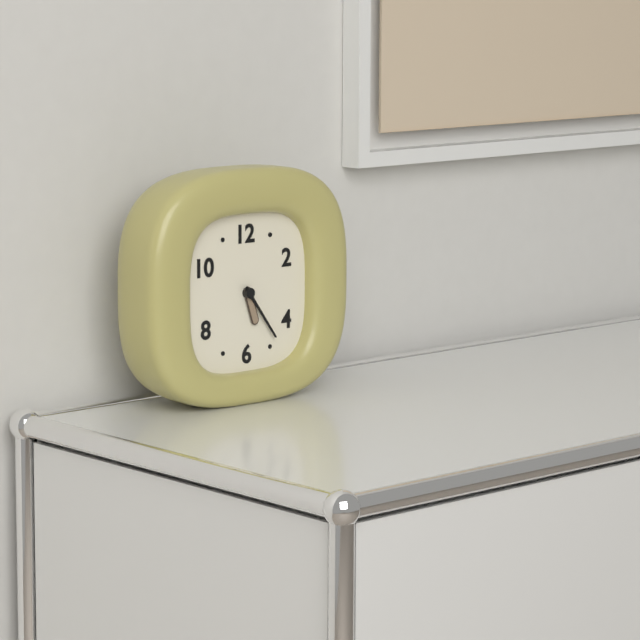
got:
5:24
